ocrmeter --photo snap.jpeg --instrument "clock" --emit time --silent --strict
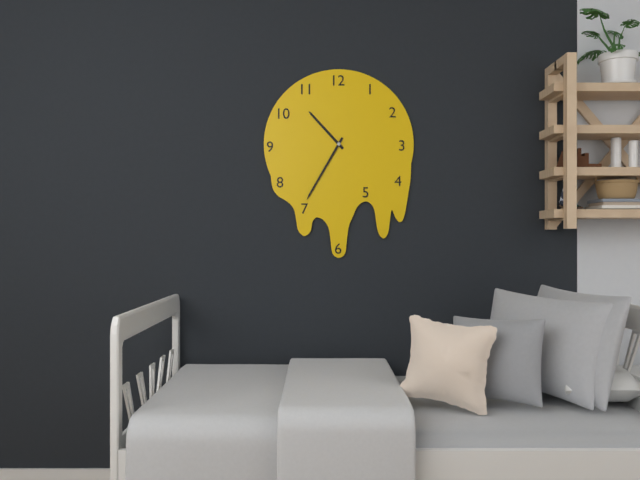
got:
10:35
